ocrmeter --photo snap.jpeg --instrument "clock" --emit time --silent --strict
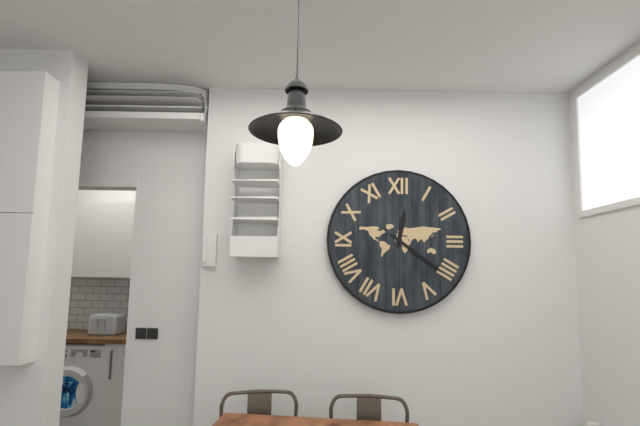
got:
12:21
